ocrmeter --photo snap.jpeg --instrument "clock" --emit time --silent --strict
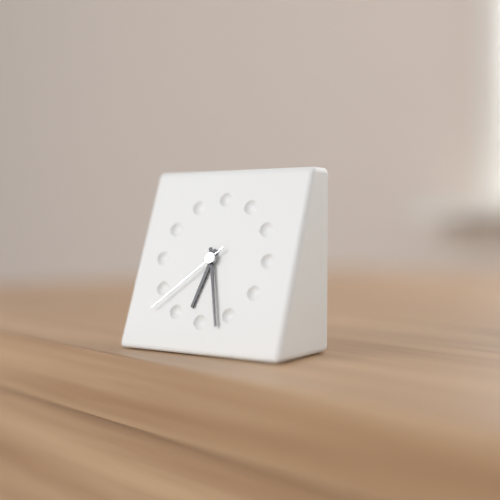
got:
6:27:38
